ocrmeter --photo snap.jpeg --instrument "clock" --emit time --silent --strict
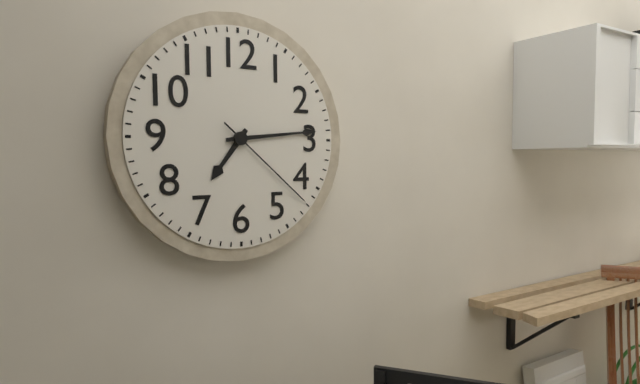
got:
7:14:22
